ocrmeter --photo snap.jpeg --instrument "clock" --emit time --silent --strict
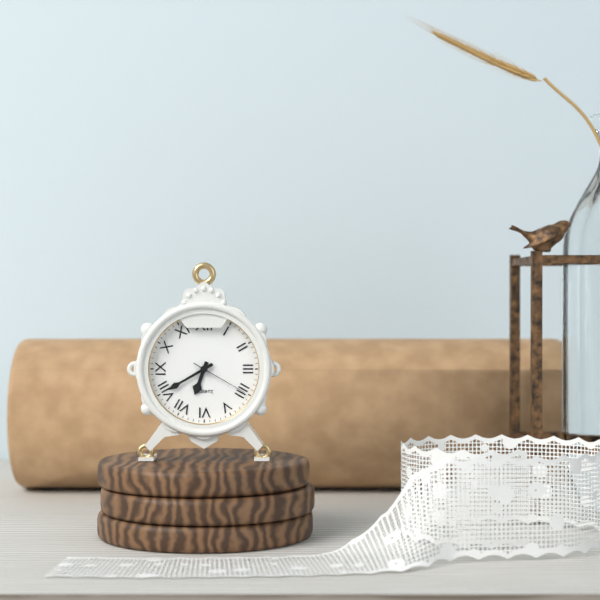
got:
6:40:20
